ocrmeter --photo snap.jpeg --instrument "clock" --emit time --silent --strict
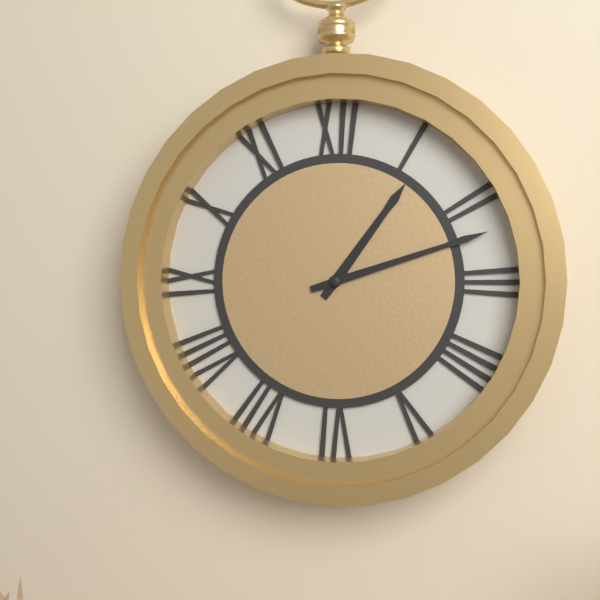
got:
1:12
